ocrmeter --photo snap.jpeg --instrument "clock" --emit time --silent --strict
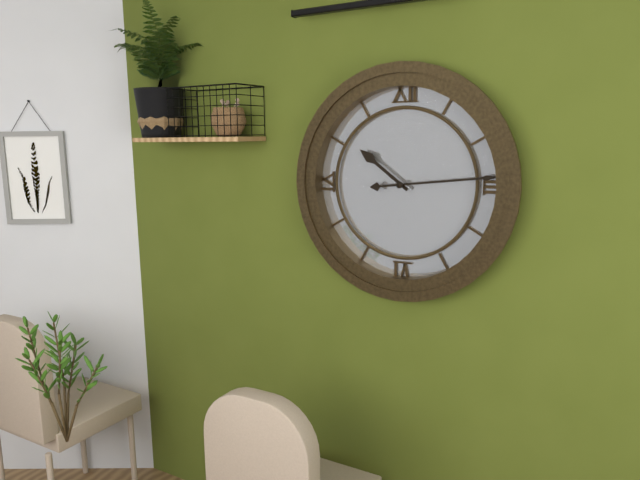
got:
10:14
